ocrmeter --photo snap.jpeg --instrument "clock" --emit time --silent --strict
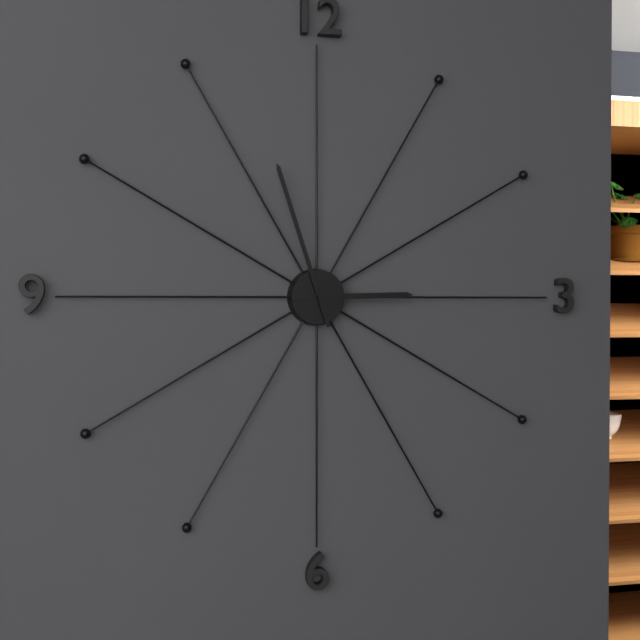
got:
2:57
